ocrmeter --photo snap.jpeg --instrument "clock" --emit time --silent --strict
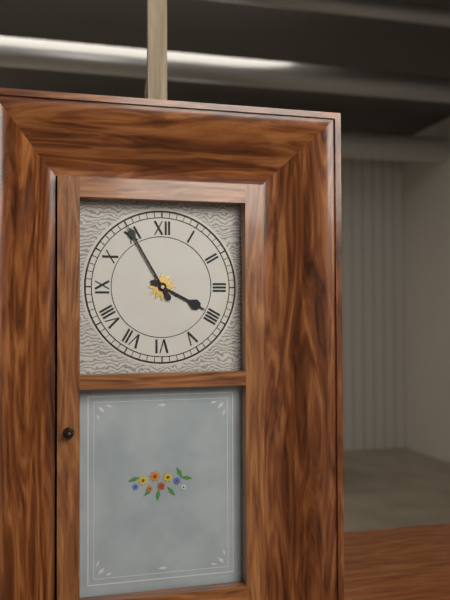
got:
3:55
